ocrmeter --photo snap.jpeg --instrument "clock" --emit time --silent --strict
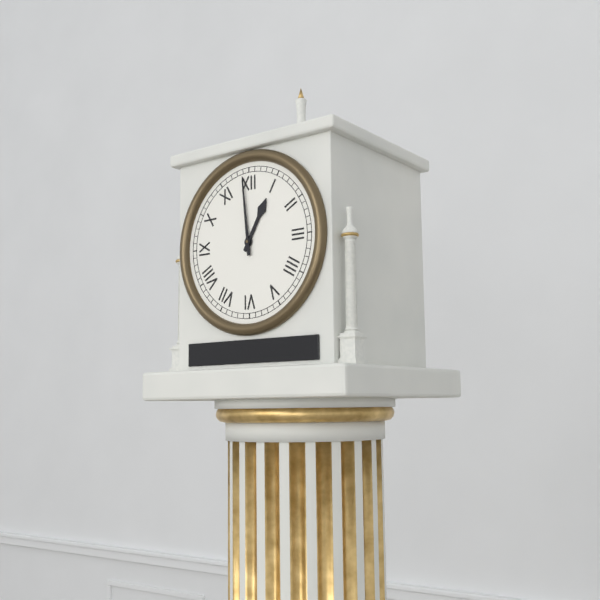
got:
12:59
